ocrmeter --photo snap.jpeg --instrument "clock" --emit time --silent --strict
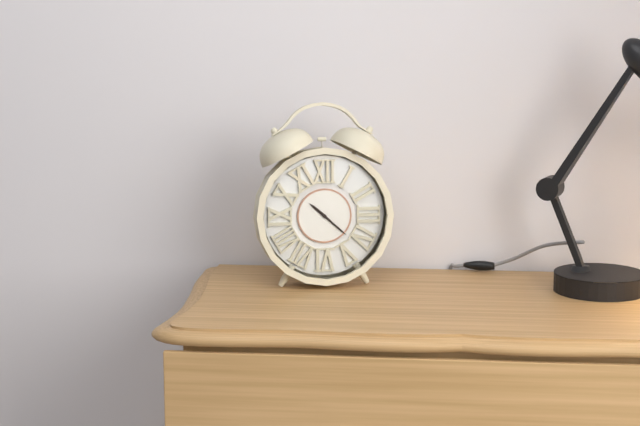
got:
10:22
